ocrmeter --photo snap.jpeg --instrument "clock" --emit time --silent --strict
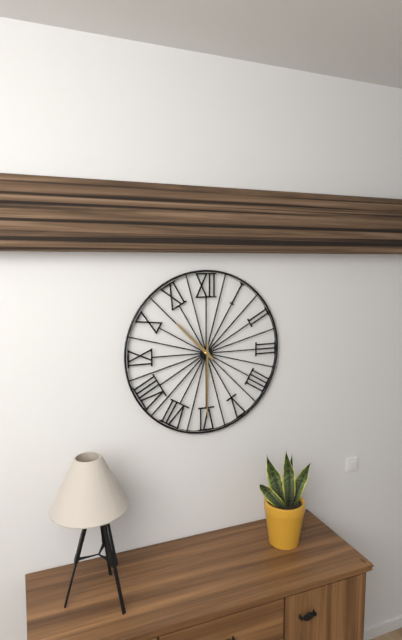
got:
10:30
